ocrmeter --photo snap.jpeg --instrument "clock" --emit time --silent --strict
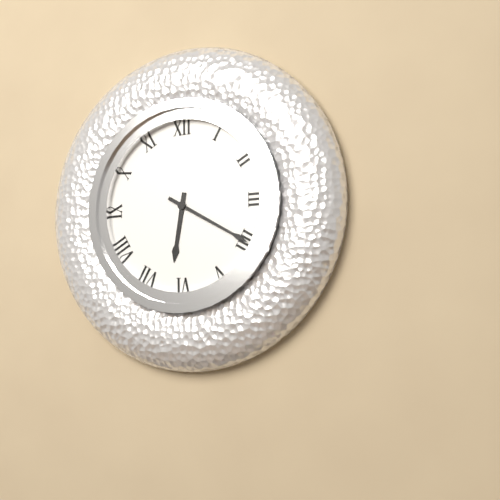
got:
6:20
